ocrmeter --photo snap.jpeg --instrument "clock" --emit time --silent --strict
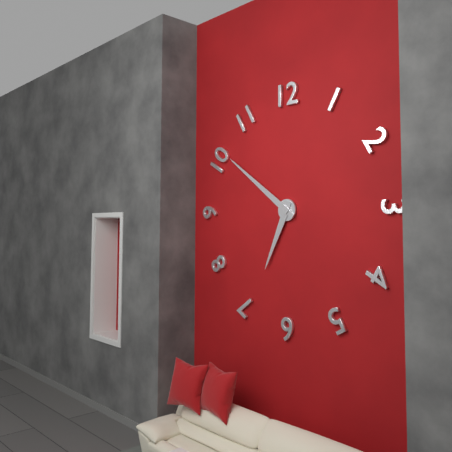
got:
6:51
